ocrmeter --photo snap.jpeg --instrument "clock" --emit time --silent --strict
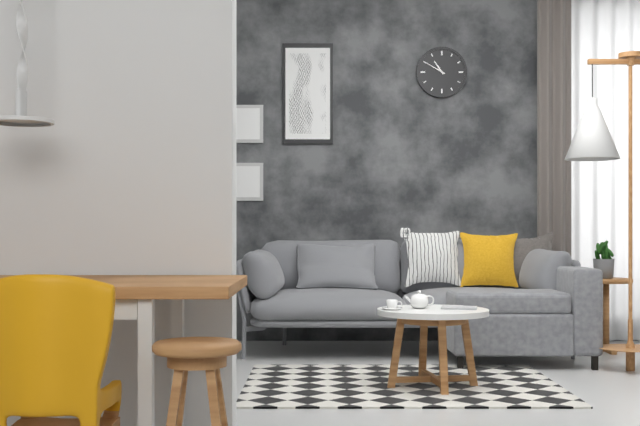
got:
10:50
